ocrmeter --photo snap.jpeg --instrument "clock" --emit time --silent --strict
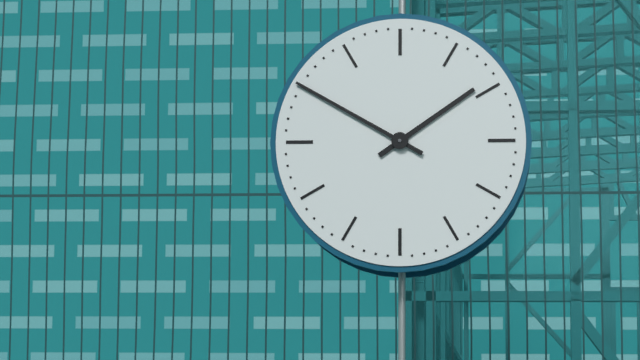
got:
1:50
